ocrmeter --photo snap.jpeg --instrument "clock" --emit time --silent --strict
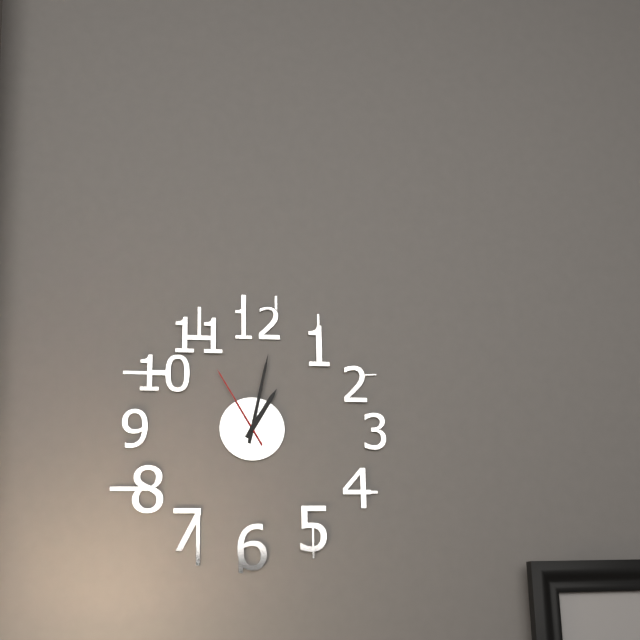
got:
1:02:55
